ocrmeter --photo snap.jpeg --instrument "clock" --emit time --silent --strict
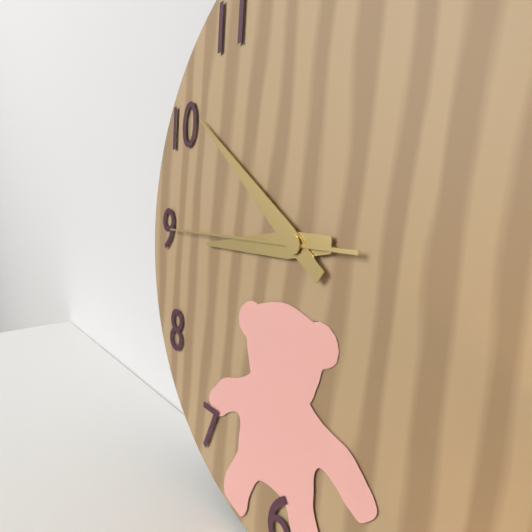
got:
8:51:45
